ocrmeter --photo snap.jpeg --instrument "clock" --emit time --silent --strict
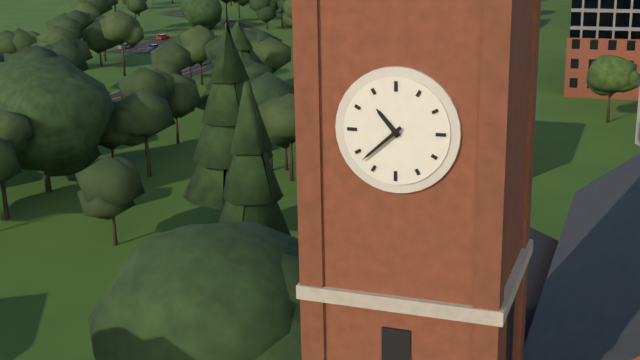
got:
10:38
